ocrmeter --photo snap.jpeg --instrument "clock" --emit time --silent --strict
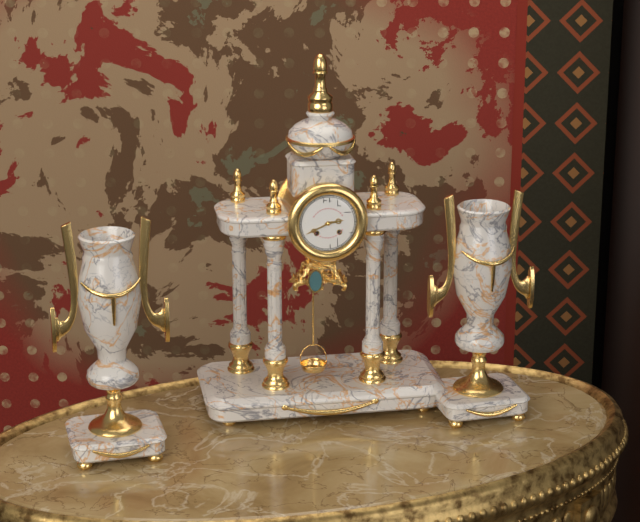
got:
2:41
